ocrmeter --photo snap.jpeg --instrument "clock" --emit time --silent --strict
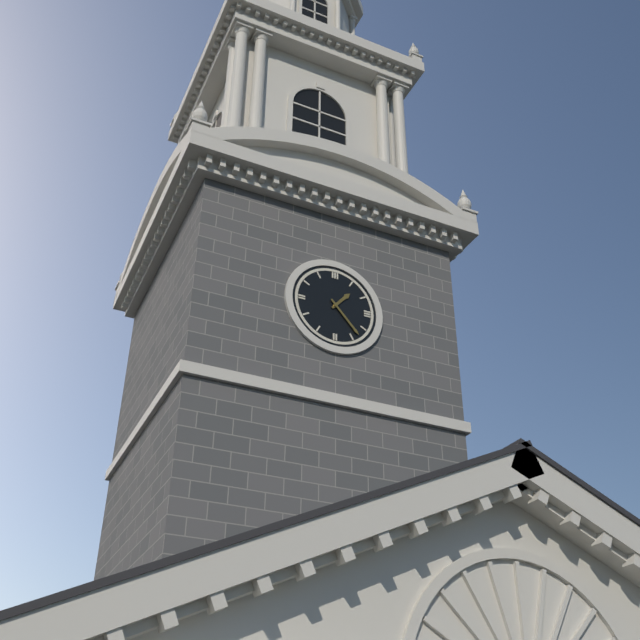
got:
1:23
